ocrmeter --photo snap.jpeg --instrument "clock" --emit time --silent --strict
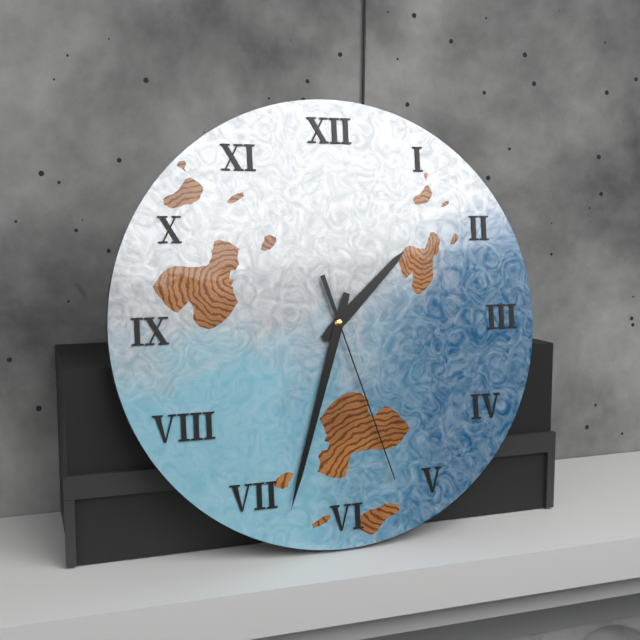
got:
1:33:27
